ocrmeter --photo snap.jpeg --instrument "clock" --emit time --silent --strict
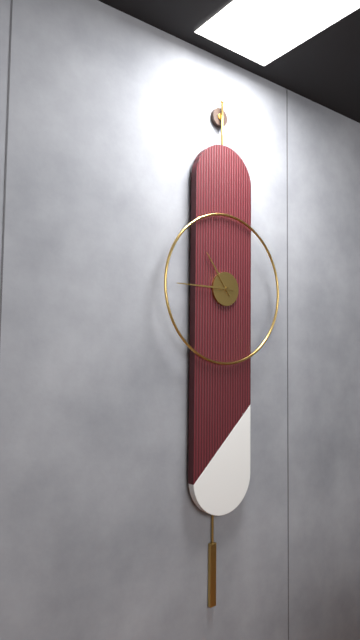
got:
10:45
